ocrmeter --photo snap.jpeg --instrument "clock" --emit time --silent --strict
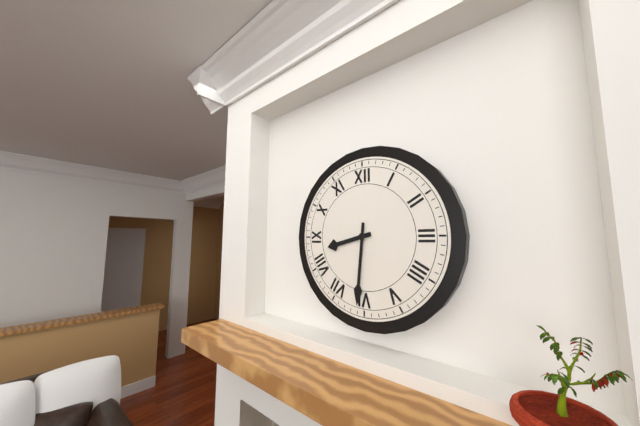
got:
8:31
